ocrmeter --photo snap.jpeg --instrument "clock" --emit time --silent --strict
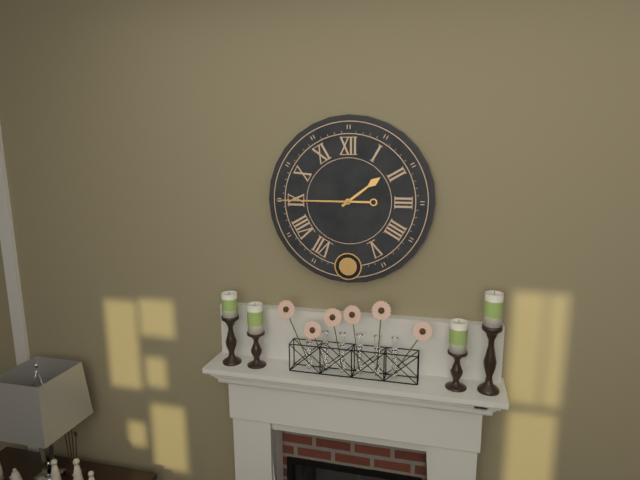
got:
1:45
